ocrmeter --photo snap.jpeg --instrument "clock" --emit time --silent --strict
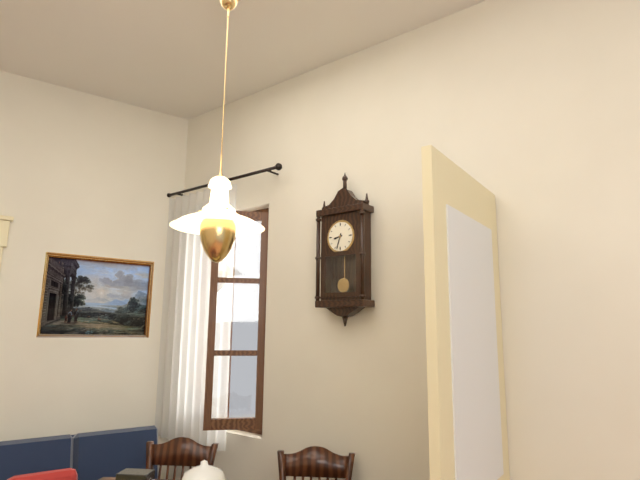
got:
8:33
